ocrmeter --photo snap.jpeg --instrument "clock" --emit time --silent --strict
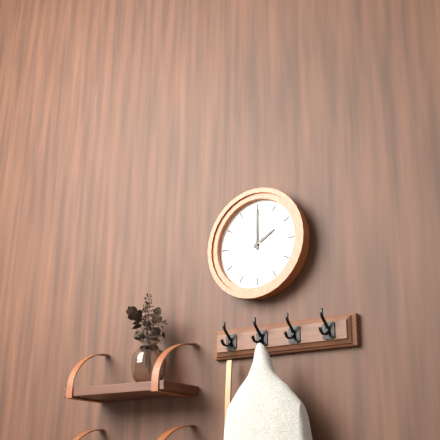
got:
2:00
